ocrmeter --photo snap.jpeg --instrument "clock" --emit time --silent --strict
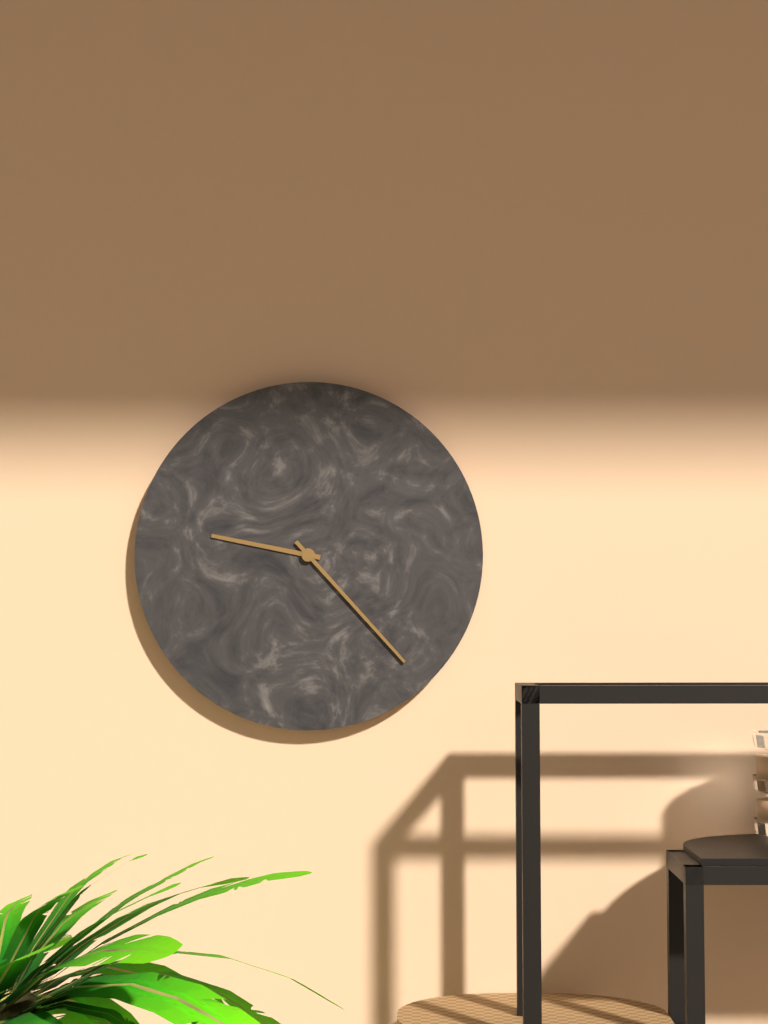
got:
9:23
